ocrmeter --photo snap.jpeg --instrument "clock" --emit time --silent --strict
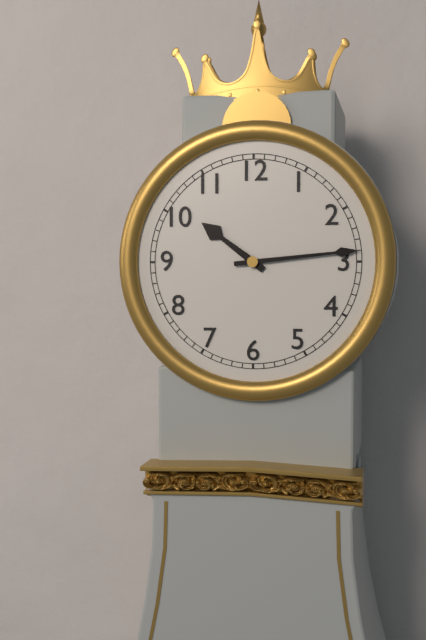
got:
10:14
